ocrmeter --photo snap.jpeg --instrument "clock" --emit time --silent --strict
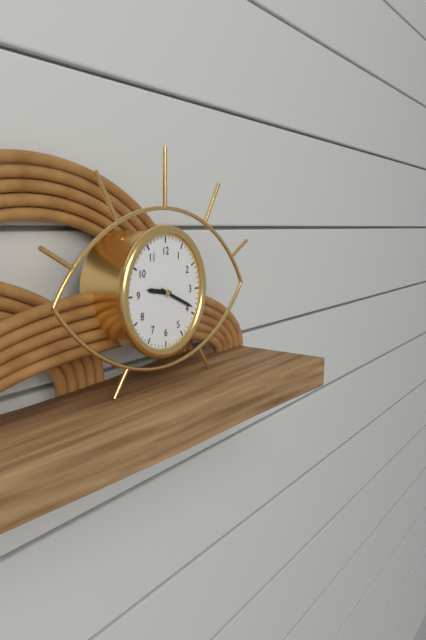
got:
9:19
